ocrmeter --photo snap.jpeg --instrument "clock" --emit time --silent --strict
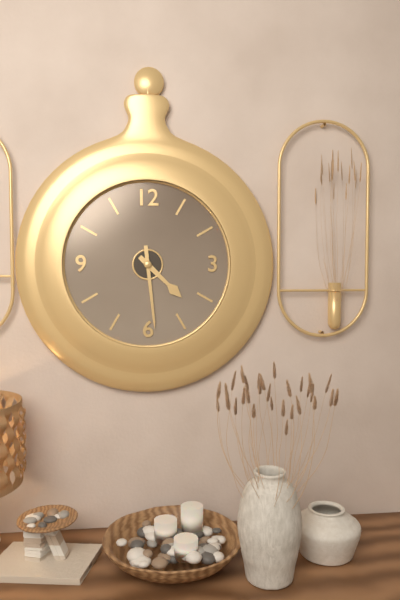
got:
4:29
